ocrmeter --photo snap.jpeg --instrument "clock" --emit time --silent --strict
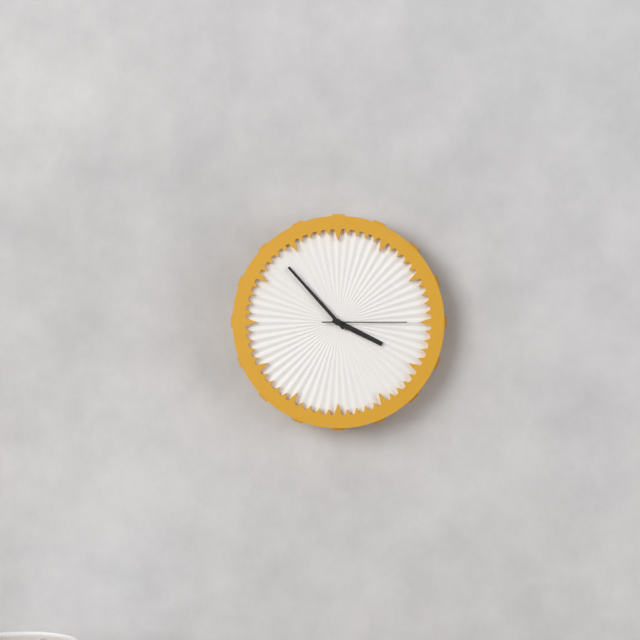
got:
3:53:15
